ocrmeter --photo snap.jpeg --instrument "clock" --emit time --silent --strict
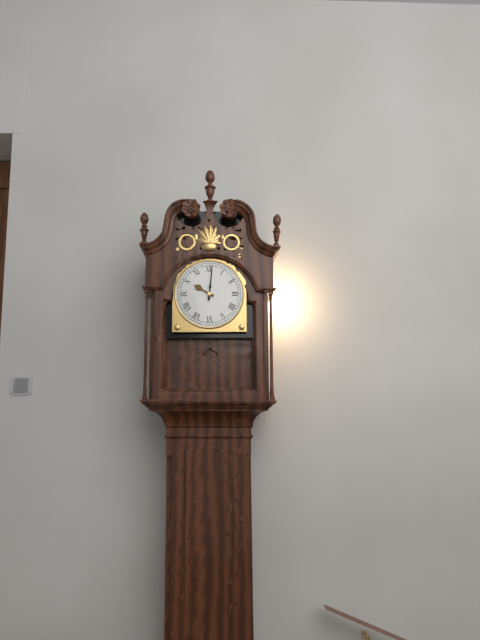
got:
10:01
